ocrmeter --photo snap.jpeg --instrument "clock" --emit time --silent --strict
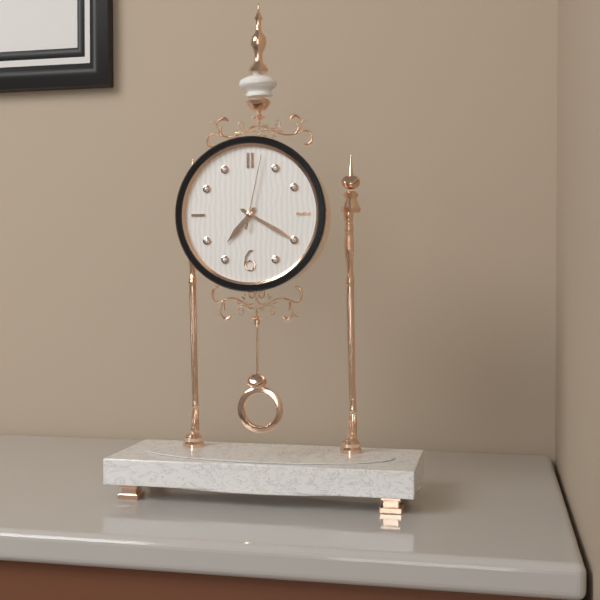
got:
7:20:02
